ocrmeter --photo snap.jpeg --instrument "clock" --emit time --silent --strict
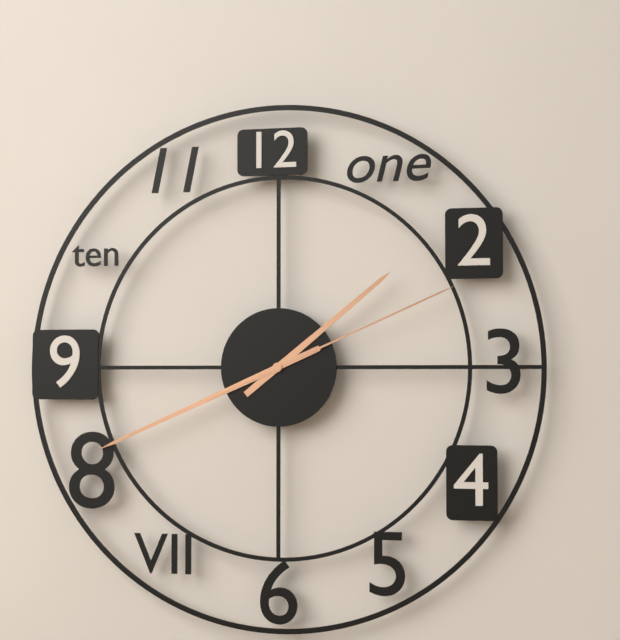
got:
1:41:11
